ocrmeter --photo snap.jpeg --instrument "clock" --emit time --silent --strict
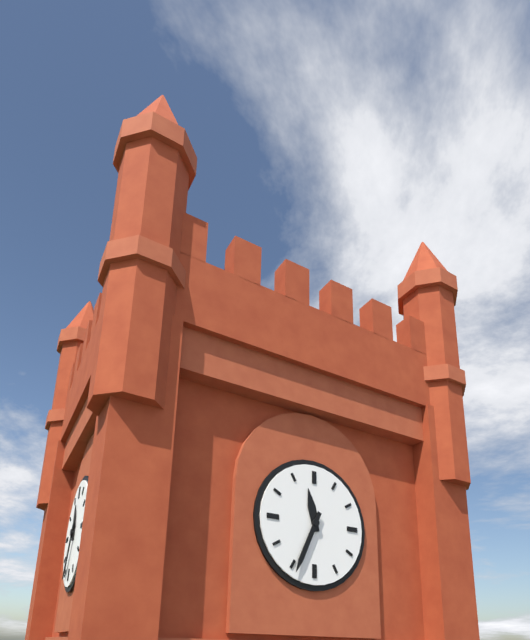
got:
11:34
